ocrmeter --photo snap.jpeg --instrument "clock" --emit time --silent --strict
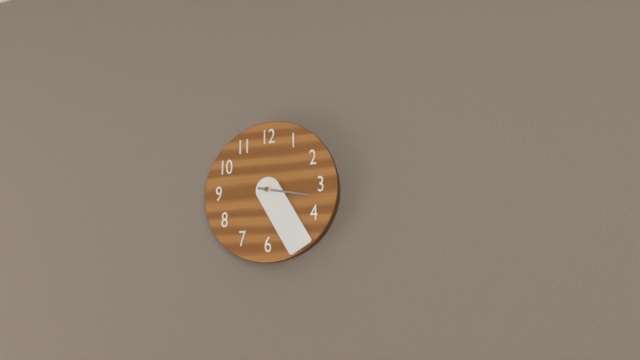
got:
3:25
